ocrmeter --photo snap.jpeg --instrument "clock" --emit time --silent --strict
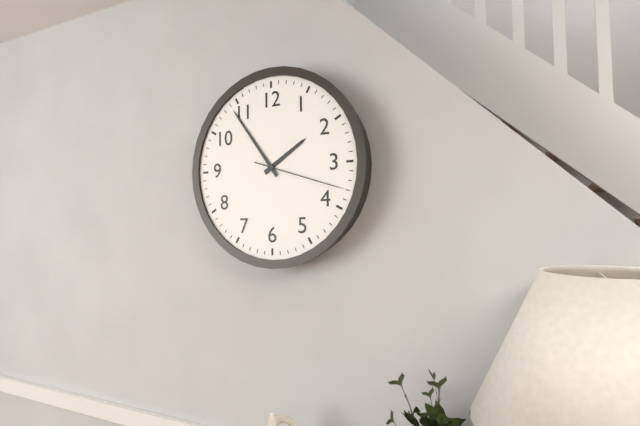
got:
1:54:18
